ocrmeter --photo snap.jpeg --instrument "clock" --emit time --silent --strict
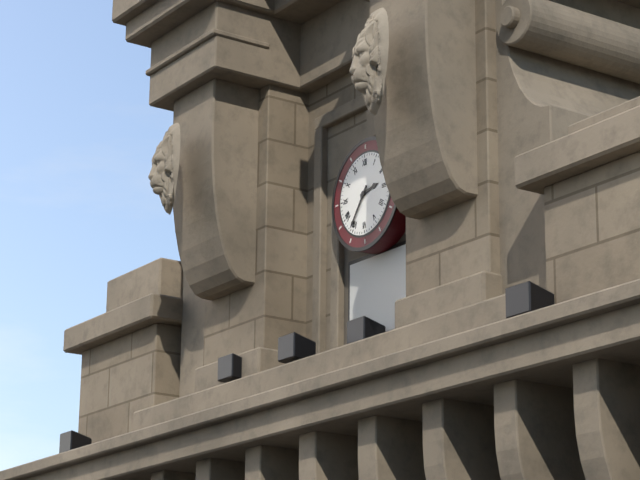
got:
2:36
